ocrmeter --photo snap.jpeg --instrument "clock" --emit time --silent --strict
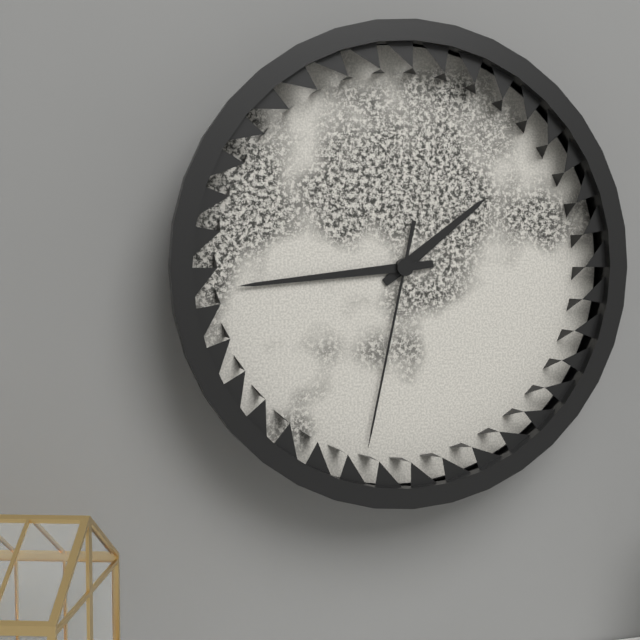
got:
1:44:32
